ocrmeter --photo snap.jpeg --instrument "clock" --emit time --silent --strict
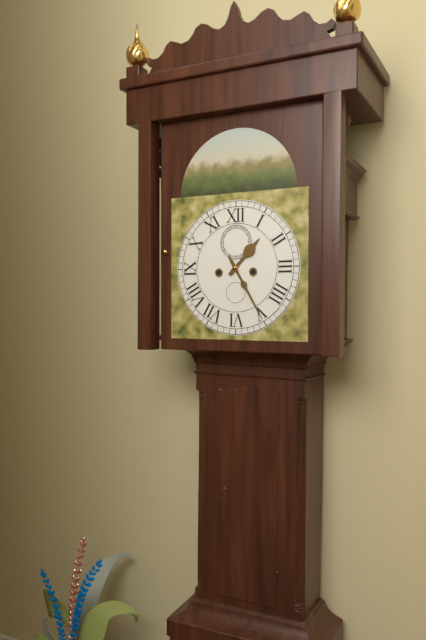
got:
1:25
